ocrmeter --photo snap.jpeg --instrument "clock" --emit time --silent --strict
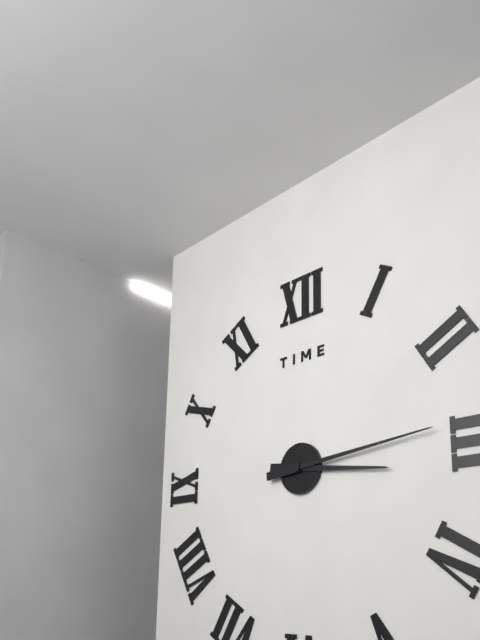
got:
3:14
